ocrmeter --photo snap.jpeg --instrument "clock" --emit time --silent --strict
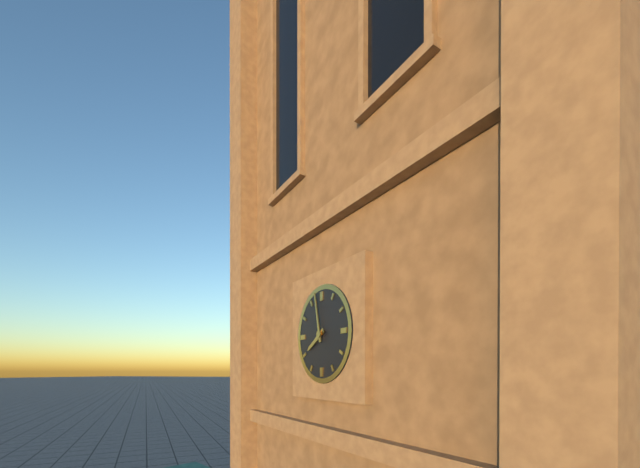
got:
7:58
